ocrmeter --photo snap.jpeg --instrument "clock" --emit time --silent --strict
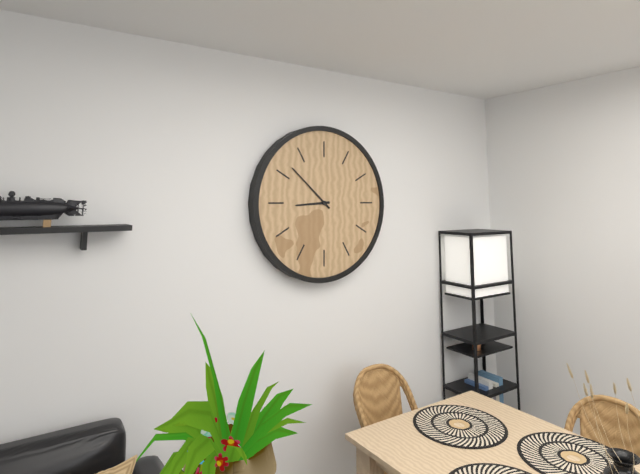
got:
8:52
